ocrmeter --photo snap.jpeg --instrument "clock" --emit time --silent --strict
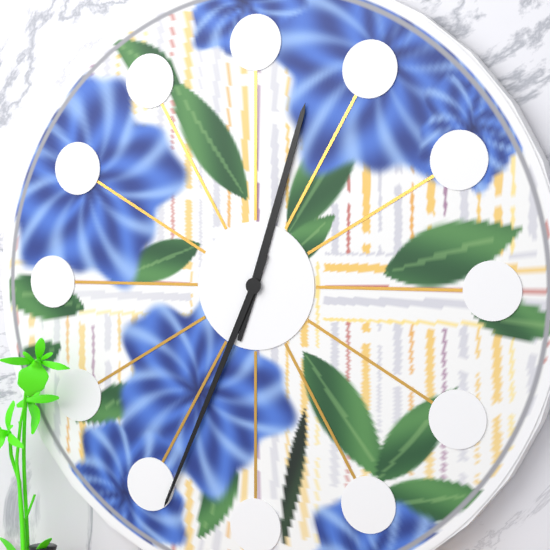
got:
12:34
